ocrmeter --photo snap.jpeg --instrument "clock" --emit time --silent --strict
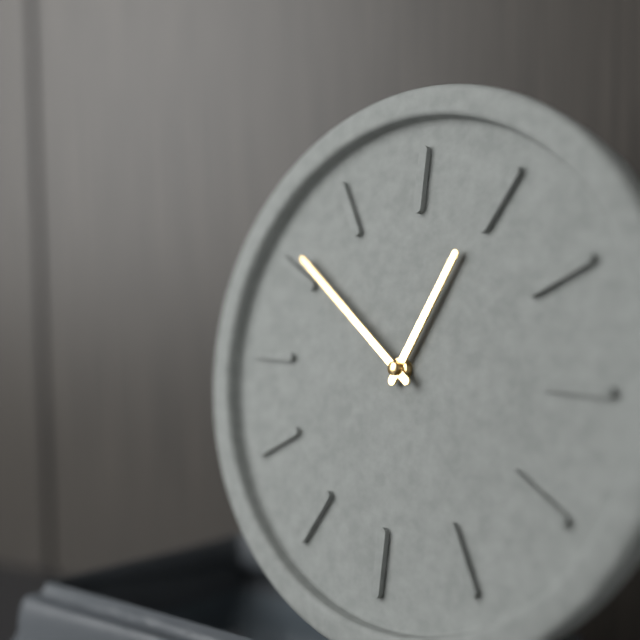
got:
12:51
